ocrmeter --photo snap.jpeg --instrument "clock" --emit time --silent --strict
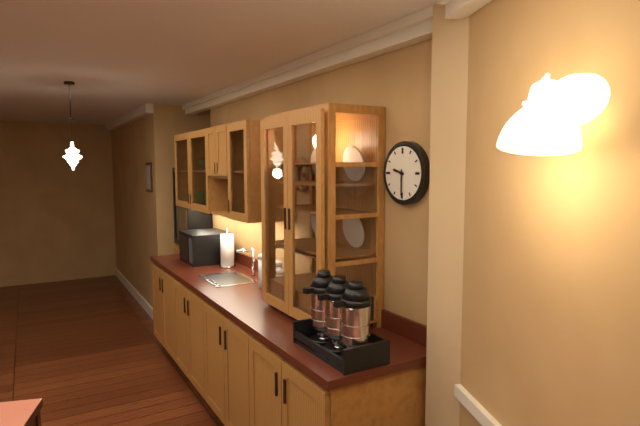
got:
9:30
